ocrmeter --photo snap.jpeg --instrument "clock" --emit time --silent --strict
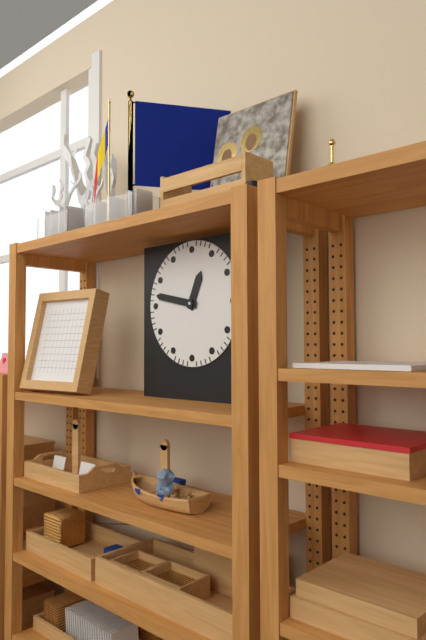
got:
12:47
